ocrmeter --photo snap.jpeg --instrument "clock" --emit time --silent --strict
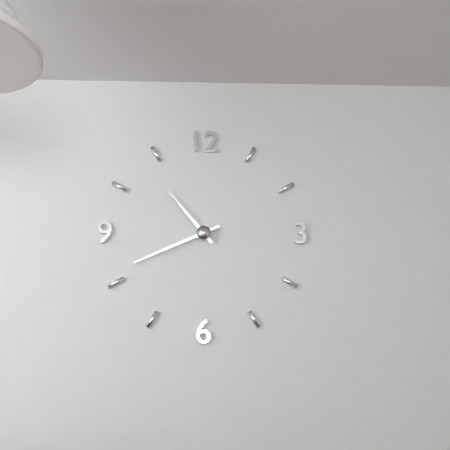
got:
10:41
